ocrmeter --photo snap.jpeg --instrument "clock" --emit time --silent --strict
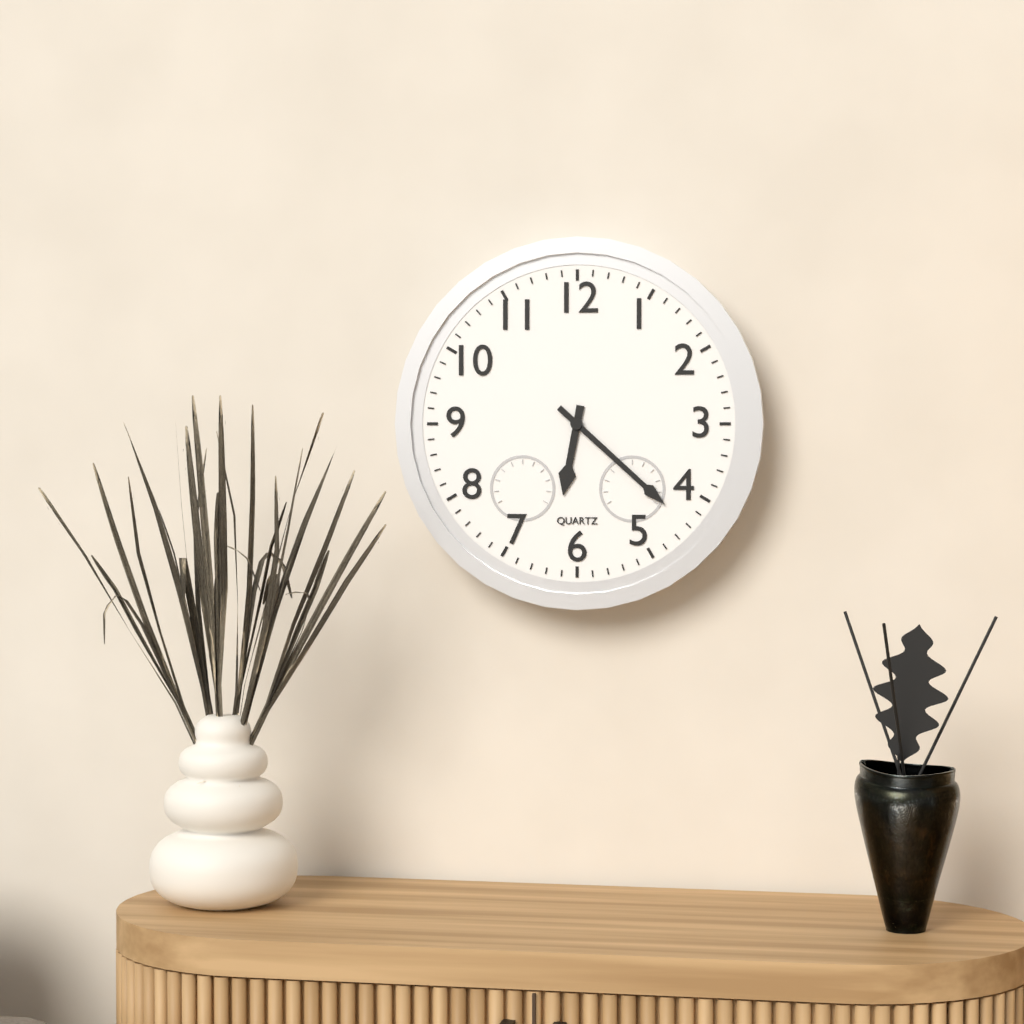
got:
6:22
